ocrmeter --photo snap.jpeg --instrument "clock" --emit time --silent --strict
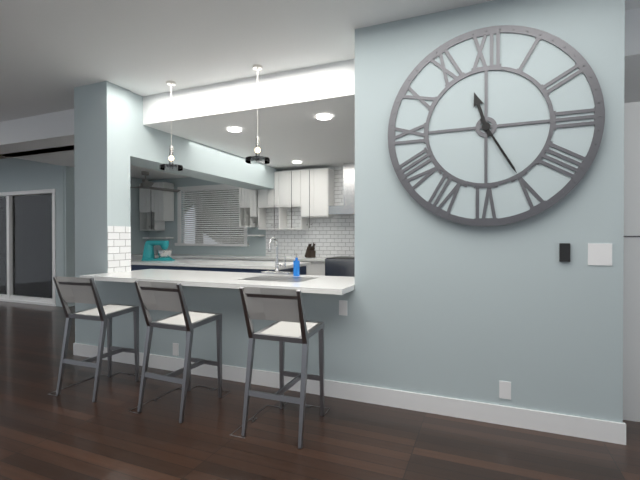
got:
11:25
